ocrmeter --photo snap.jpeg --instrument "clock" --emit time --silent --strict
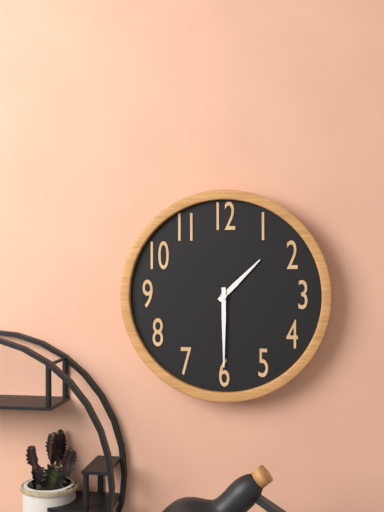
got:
1:30
